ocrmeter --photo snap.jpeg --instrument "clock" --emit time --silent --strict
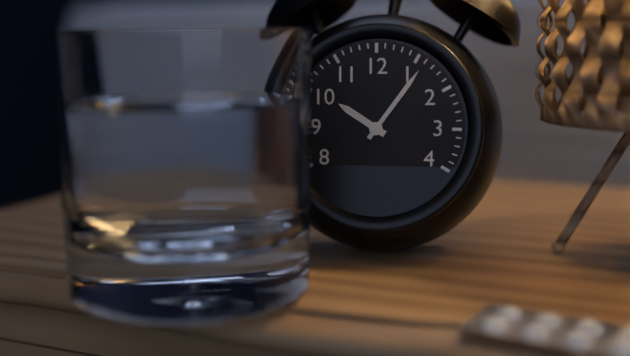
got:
10:06
